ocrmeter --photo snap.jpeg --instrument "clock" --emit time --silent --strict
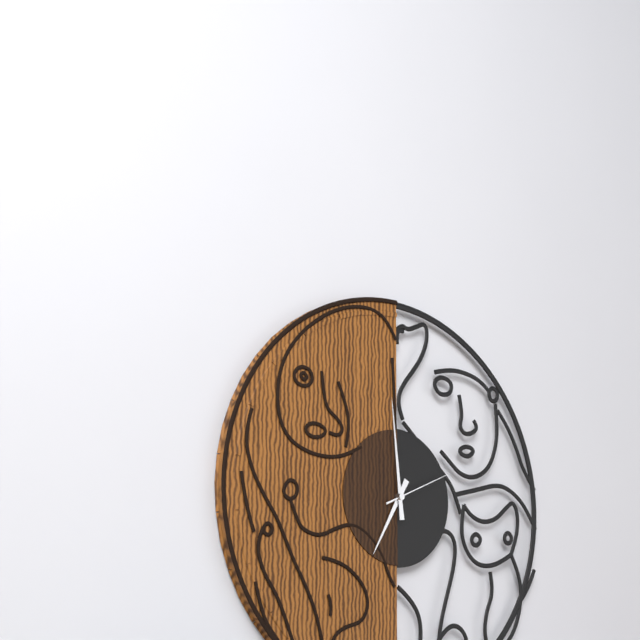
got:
6:59:11
